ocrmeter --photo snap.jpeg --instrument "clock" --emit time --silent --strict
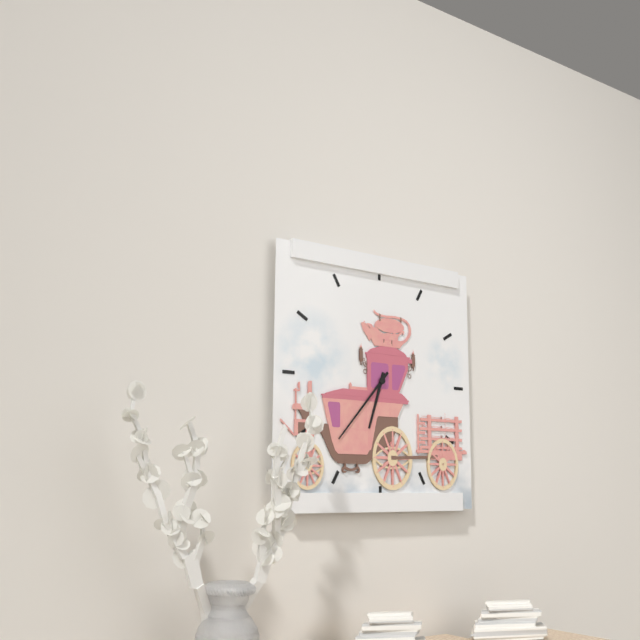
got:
6:37
